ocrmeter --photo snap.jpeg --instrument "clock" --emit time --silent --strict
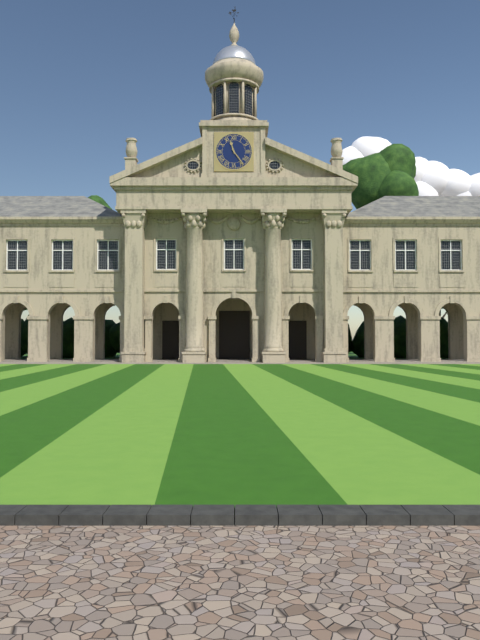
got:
11:24
